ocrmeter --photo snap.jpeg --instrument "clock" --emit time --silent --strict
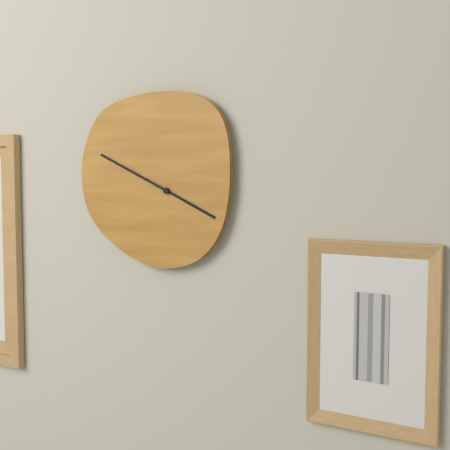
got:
3:49
